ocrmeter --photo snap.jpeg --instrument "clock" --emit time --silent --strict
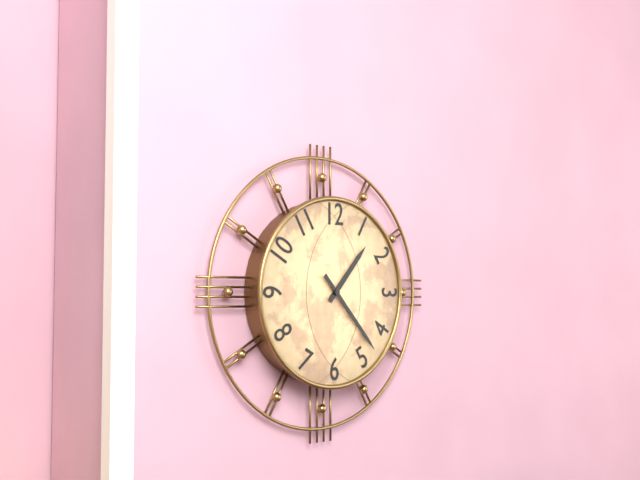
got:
1:23
